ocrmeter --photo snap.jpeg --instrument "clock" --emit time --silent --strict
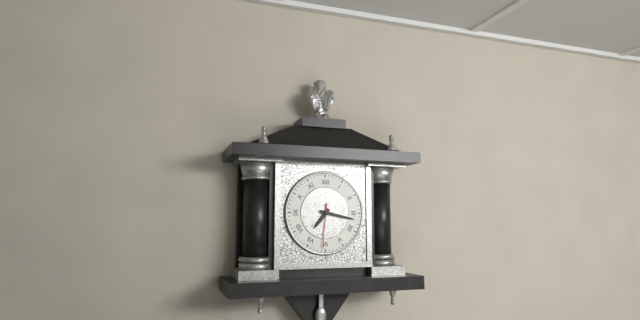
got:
7:17
